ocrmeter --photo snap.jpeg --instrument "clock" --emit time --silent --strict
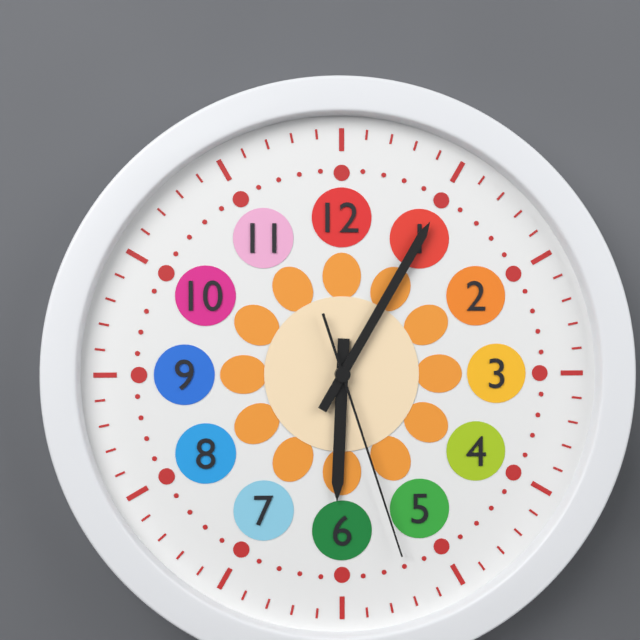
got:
6:05:27
